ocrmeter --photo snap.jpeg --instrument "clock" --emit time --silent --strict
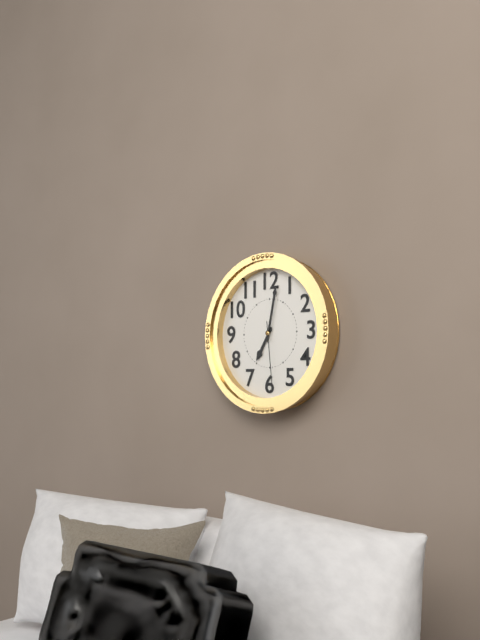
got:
7:02:29
